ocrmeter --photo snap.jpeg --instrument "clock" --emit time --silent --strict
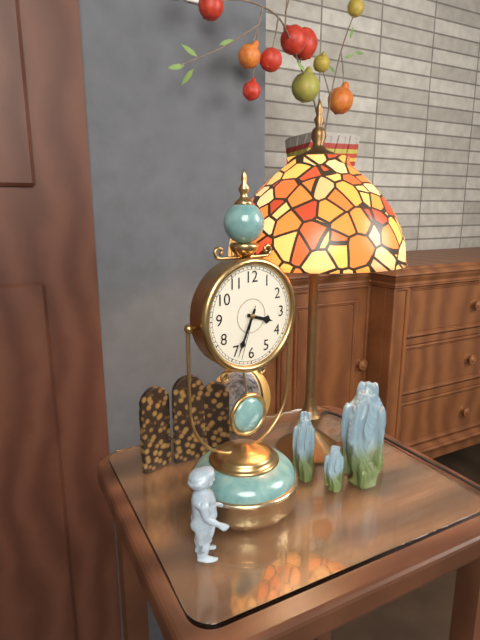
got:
3:34:33
